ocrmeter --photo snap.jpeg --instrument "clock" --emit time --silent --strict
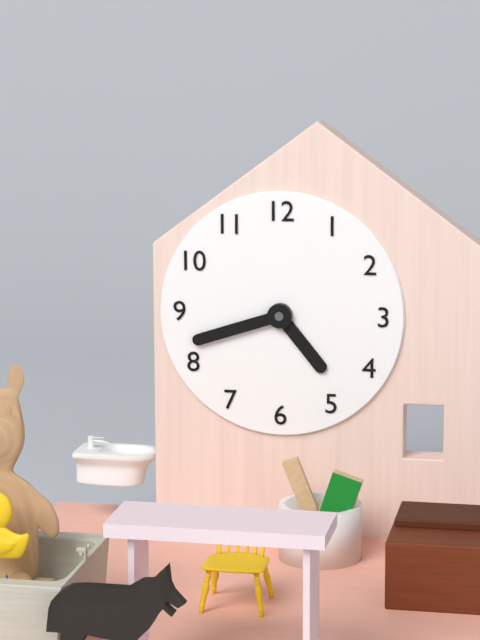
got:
4:42
